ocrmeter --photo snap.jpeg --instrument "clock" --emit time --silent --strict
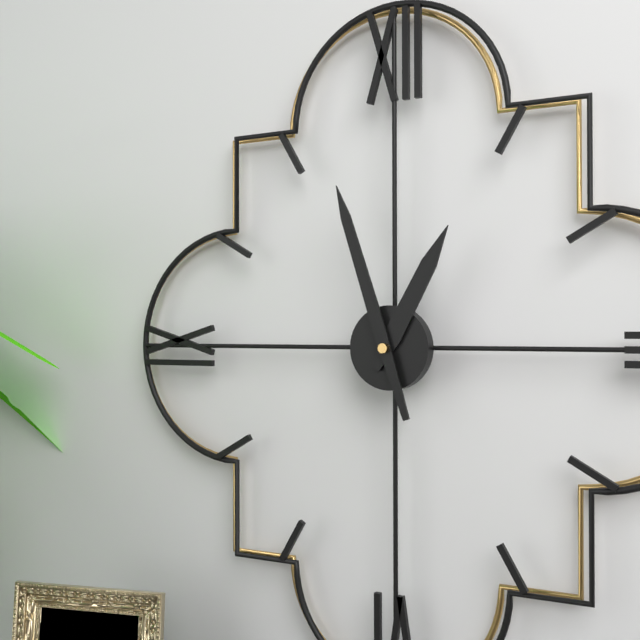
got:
12:57
